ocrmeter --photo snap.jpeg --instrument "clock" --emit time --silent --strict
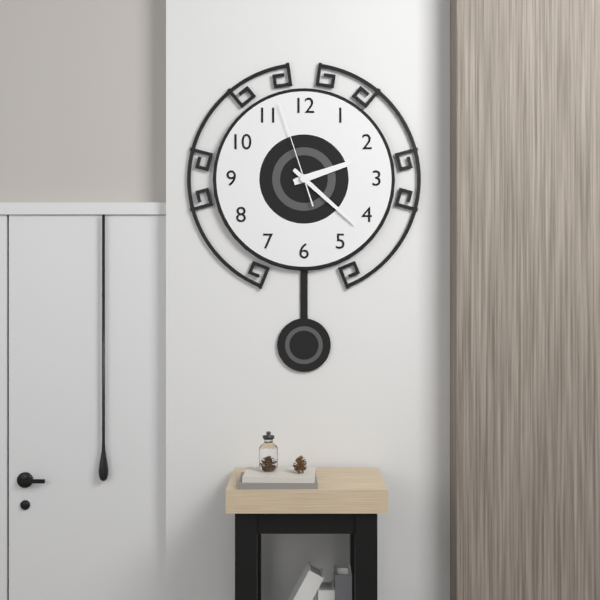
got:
2:22:57
